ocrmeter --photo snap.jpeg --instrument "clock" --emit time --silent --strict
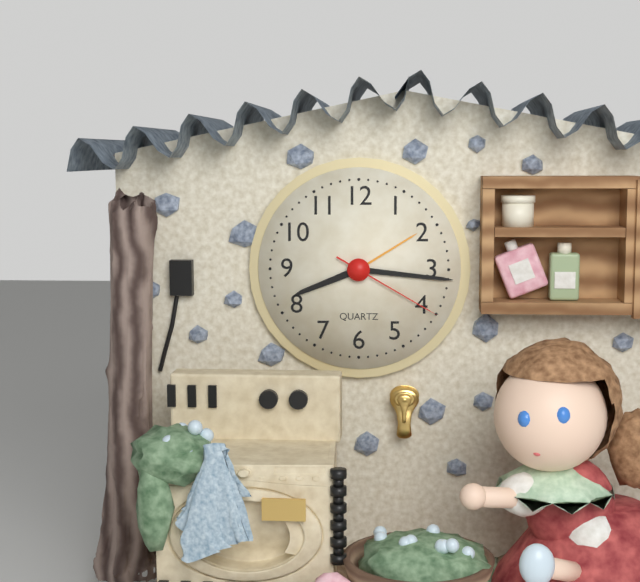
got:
8:16:20
